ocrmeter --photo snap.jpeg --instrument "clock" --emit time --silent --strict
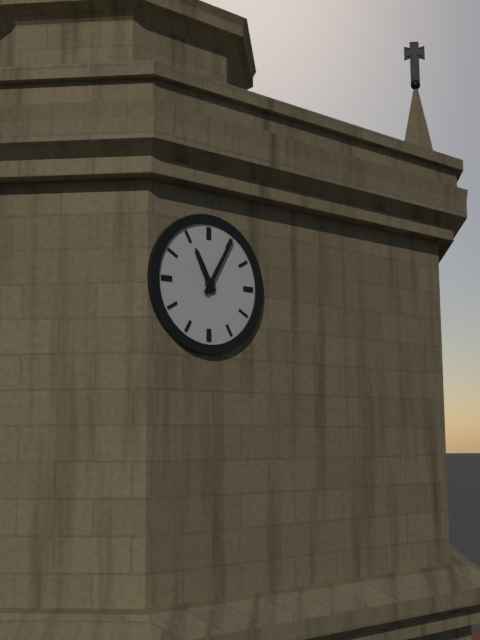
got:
11:05
